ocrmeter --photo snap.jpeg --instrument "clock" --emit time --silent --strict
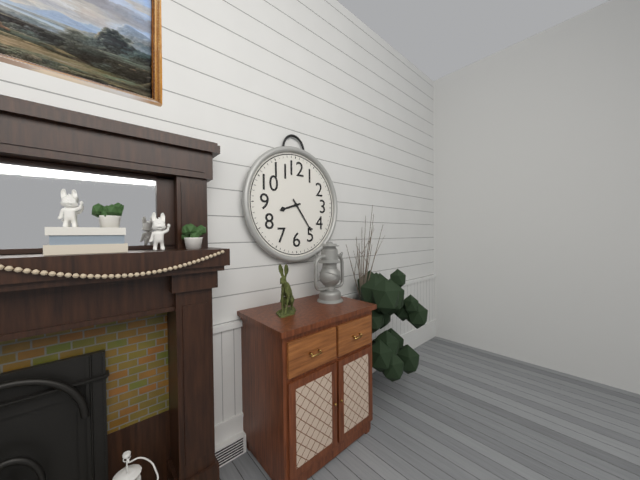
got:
8:24
